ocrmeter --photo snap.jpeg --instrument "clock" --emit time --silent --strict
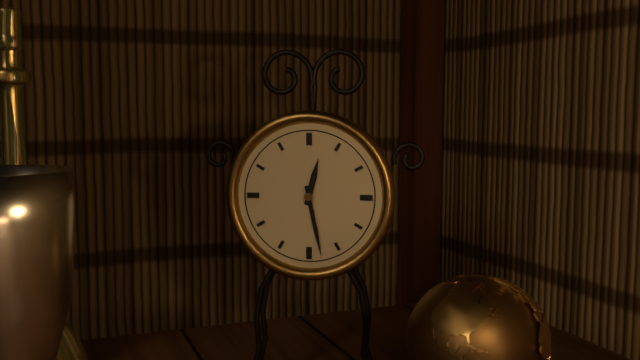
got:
12:28
